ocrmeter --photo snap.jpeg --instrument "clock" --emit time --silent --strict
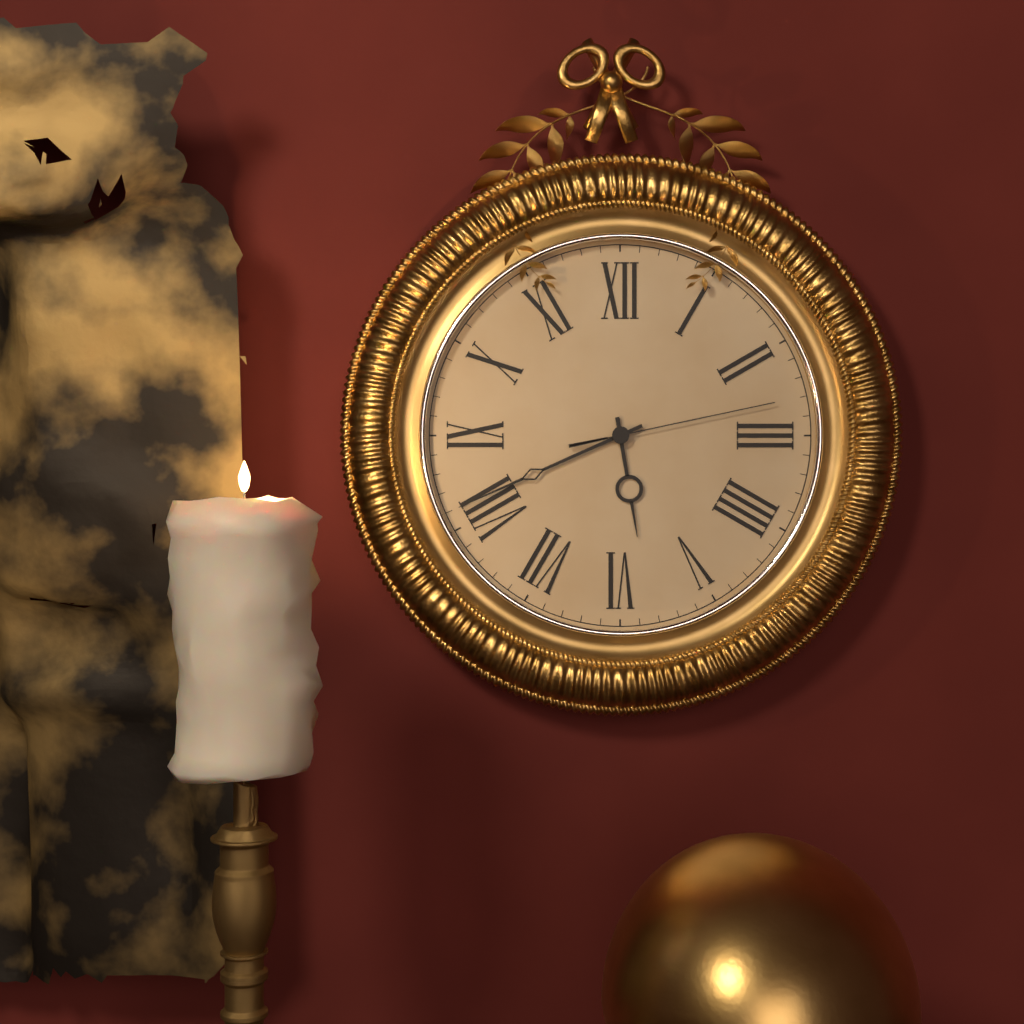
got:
5:41:13
